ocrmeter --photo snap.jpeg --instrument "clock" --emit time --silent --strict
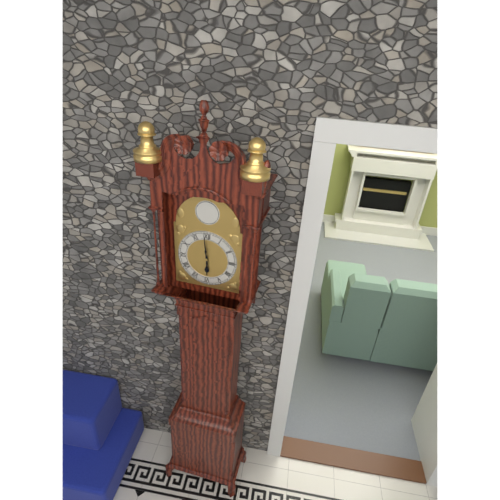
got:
5:59
